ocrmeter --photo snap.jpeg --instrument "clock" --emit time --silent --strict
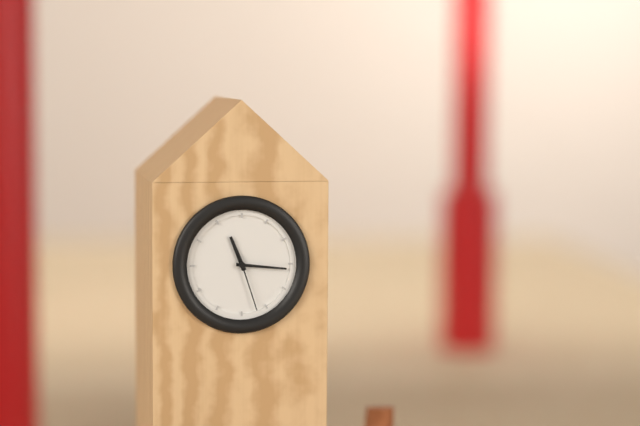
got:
11:16:27
